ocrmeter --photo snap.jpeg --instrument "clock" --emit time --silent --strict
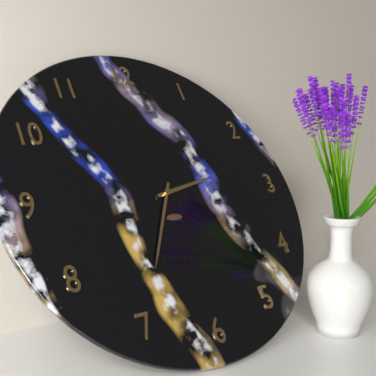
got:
2:35
